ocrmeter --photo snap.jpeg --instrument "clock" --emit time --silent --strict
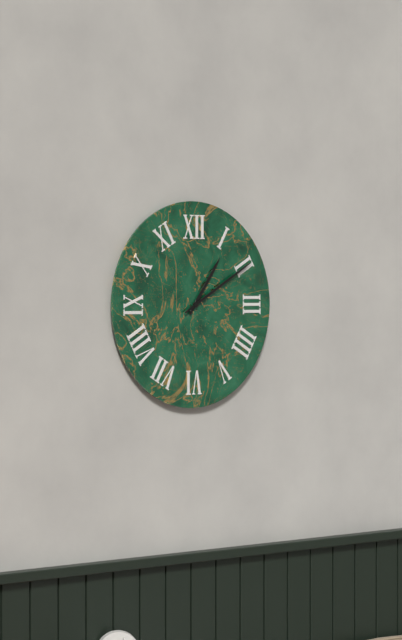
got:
1:10
